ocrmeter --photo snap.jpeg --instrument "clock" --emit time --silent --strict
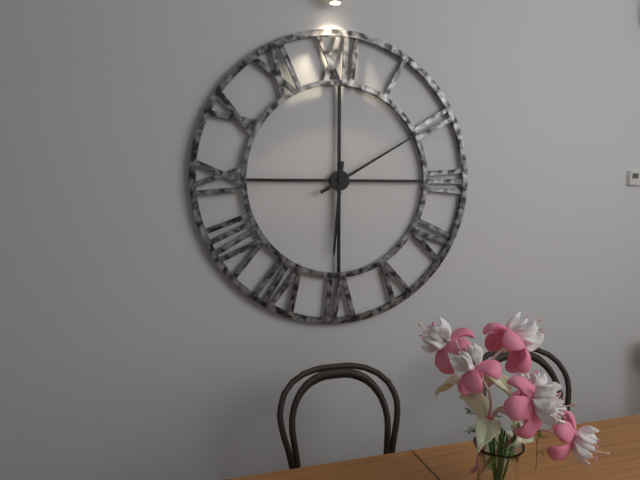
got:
6:10
